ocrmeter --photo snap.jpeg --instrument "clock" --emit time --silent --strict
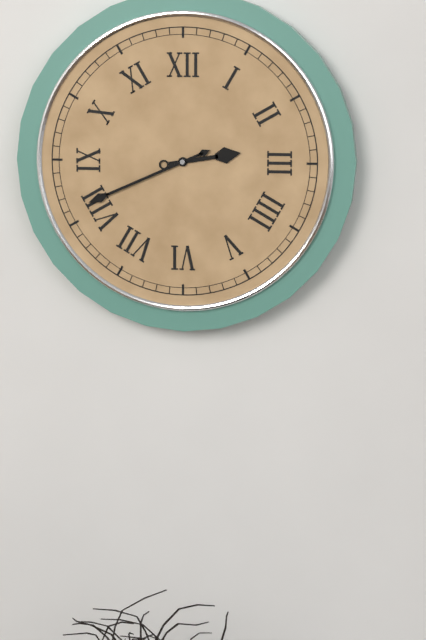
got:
2:41
